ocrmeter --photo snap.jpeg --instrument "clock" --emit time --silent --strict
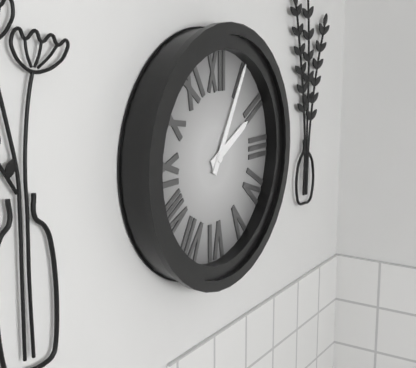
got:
2:05
